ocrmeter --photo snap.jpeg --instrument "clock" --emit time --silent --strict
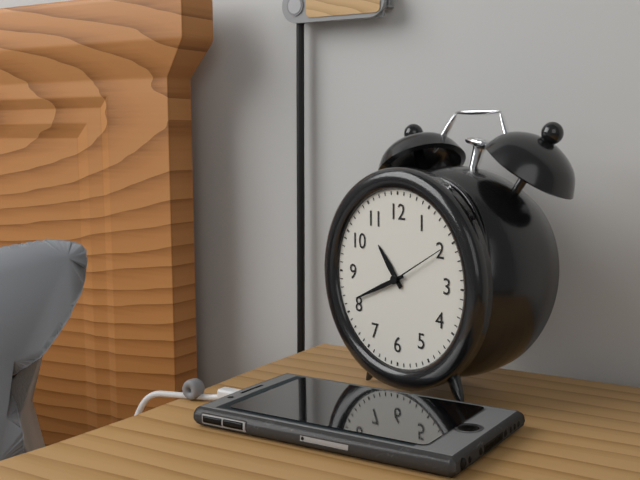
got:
10:41:10
